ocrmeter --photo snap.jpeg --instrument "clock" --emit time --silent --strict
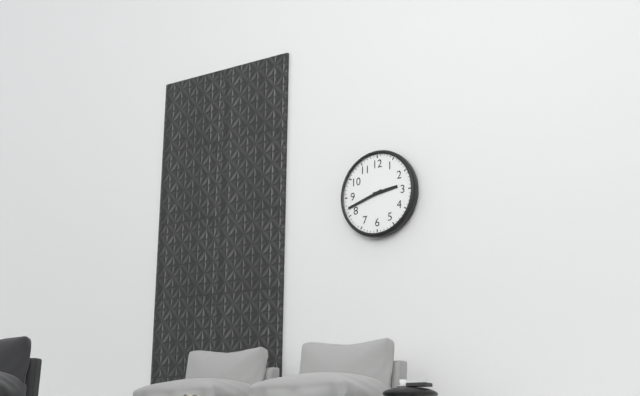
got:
2:42
